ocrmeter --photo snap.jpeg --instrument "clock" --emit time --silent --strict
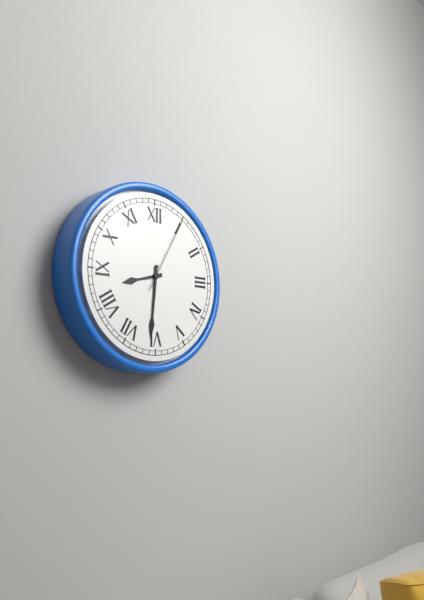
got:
8:31:05
